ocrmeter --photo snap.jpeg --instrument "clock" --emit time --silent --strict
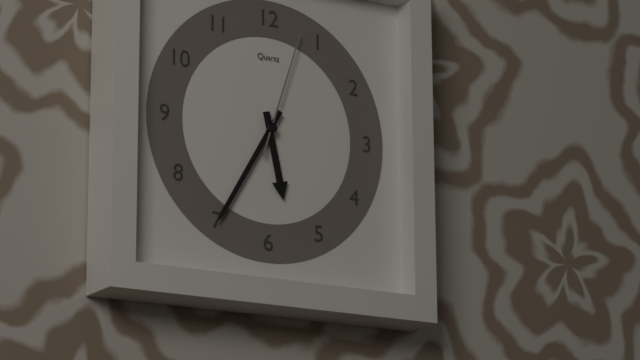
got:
5:35:03
